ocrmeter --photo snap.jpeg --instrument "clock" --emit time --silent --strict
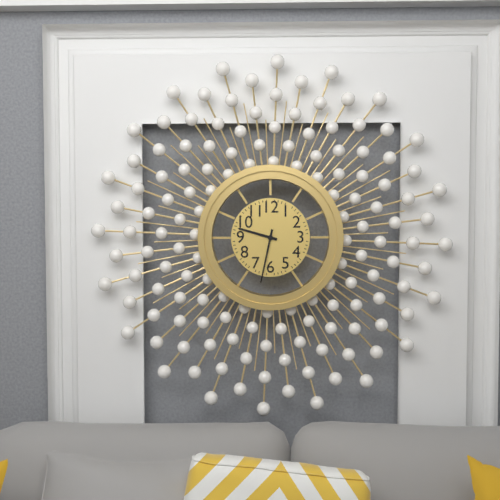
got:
9:32
